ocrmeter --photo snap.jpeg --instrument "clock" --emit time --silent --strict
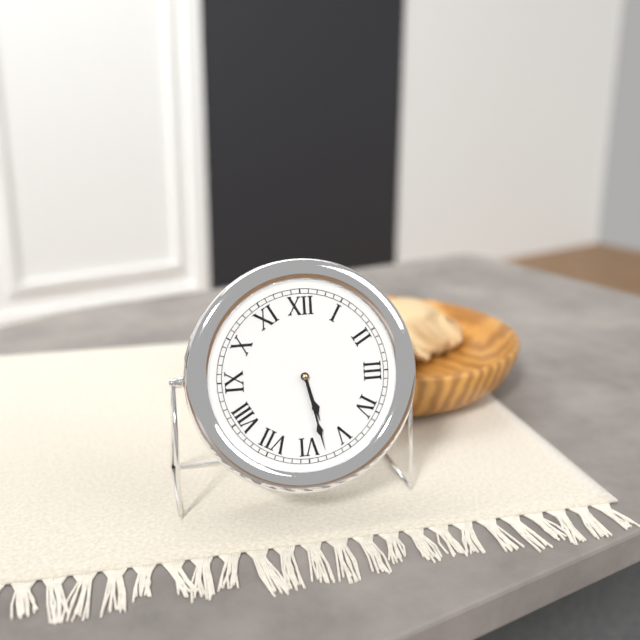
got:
5:28
